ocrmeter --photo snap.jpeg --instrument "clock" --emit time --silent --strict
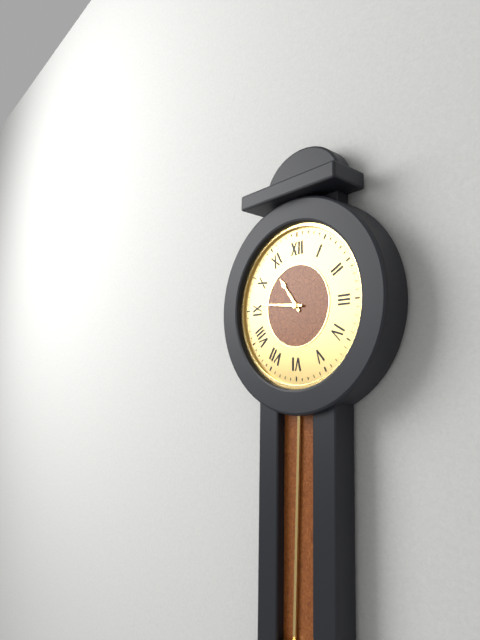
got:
10:46
